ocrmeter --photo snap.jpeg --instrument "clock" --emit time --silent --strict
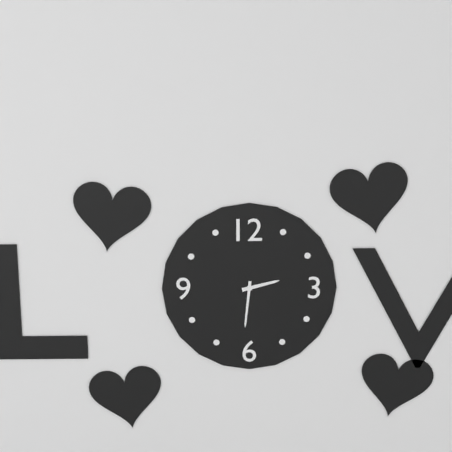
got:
2:31
